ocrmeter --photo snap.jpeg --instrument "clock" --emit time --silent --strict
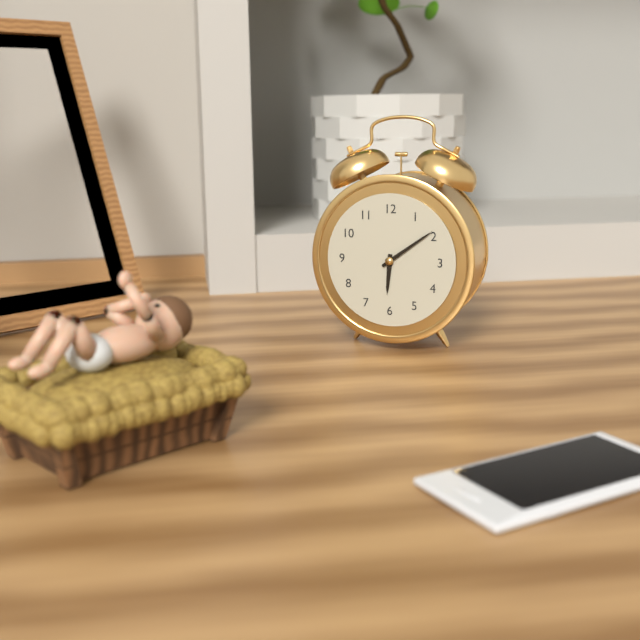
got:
6:09
